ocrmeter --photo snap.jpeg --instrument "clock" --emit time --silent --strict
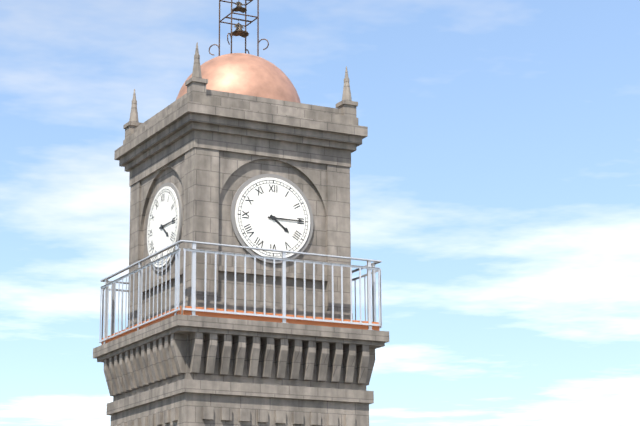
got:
4:15
